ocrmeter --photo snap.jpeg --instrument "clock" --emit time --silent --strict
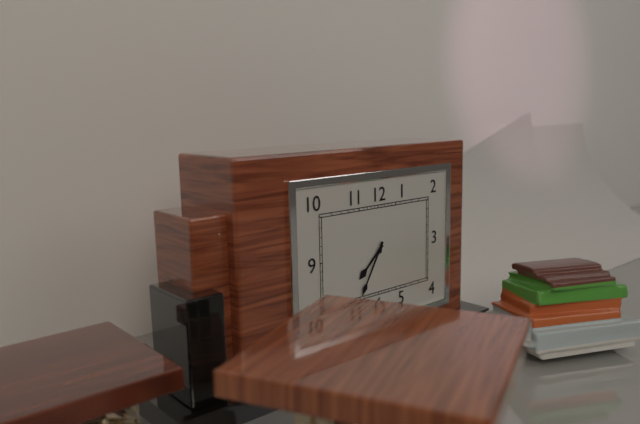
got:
7:35
